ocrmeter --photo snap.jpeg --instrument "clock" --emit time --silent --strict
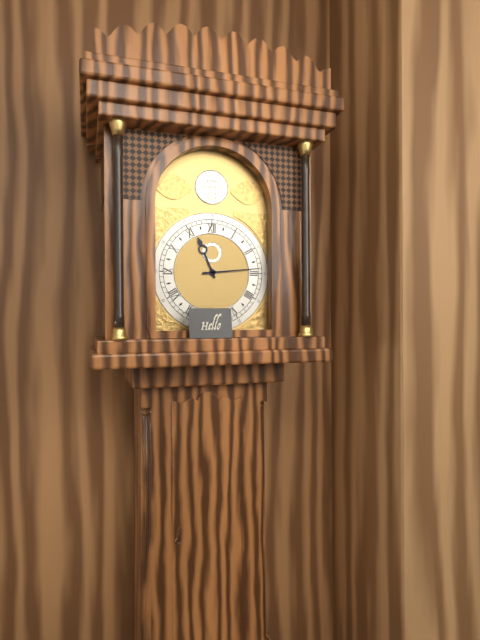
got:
11:14
